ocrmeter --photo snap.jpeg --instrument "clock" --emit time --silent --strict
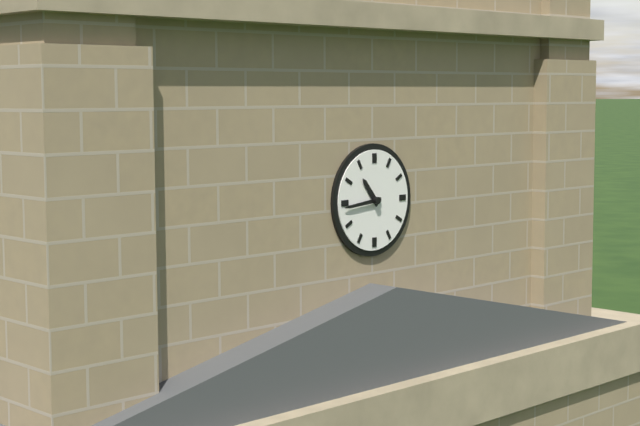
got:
10:44
